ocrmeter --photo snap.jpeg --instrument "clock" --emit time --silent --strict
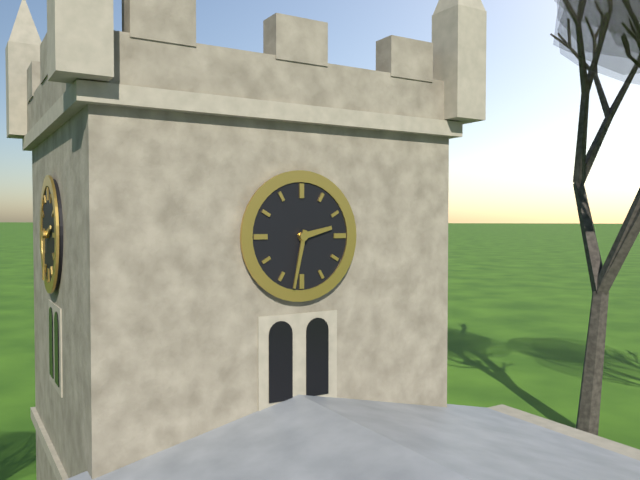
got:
2:32
